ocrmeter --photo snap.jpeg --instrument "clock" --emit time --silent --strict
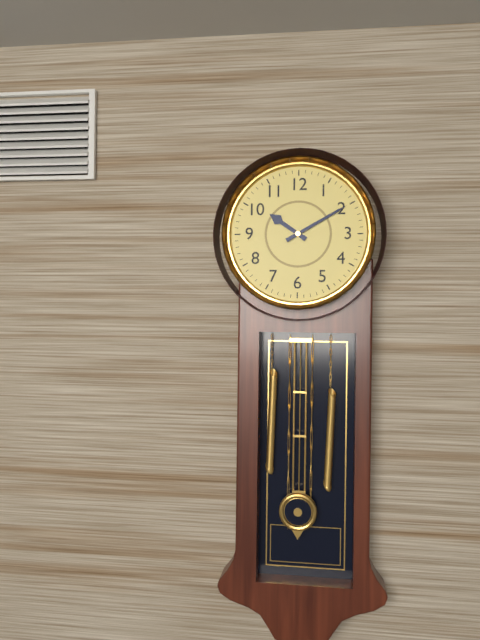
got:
10:10
